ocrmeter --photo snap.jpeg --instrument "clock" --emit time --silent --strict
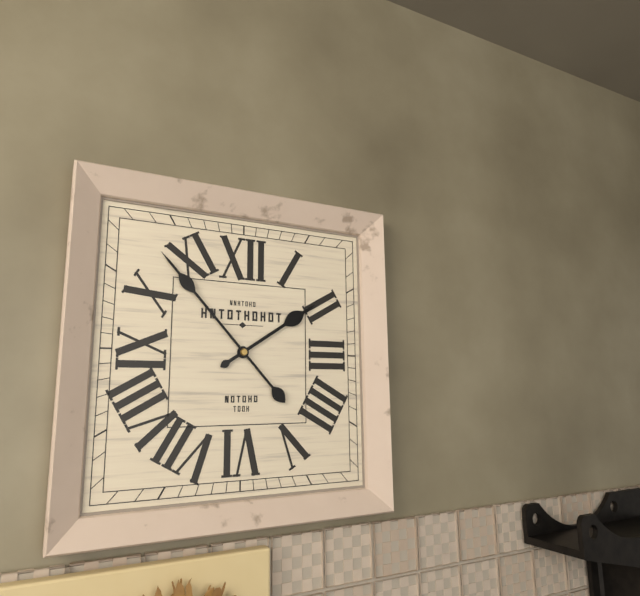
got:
1:53
